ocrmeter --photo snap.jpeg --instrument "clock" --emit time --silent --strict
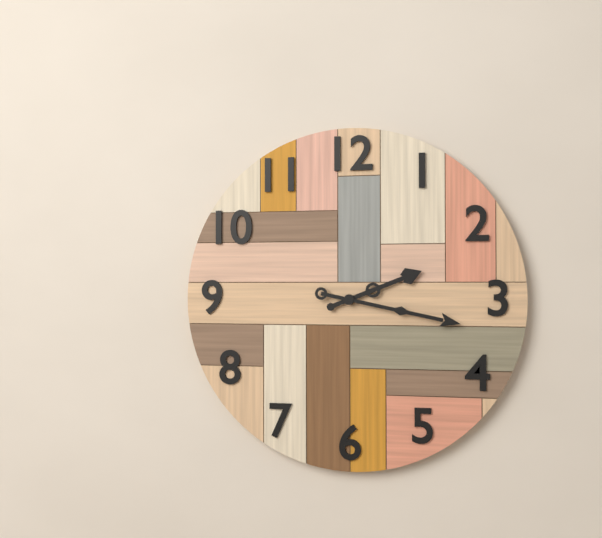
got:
2:17
